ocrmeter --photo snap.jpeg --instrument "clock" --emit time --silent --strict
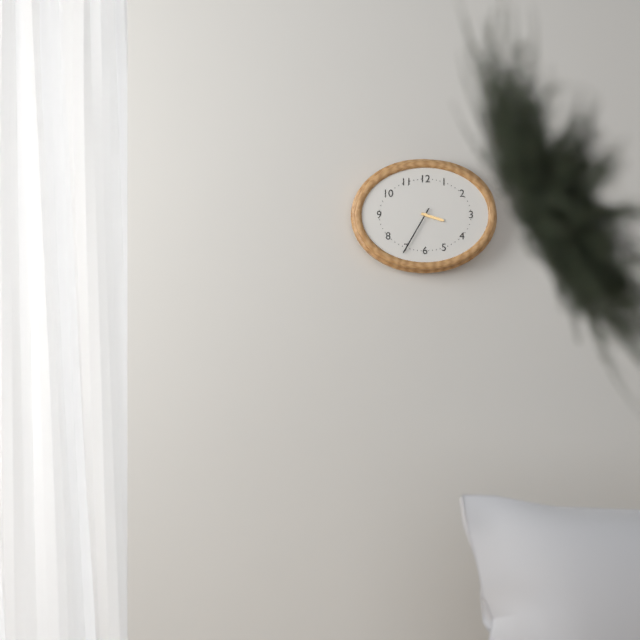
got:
3:35
